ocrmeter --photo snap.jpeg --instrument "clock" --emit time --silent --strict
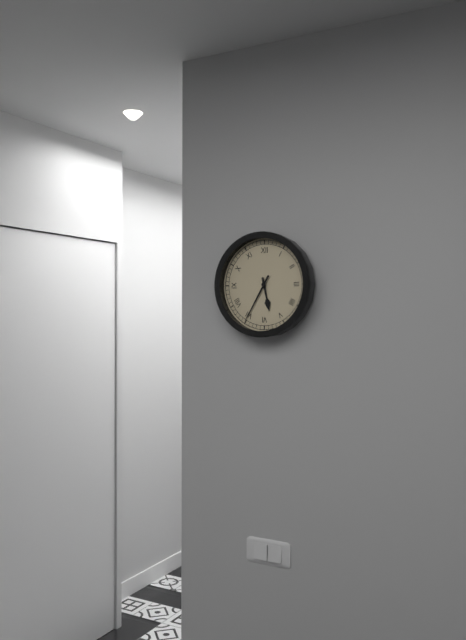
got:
5:35
